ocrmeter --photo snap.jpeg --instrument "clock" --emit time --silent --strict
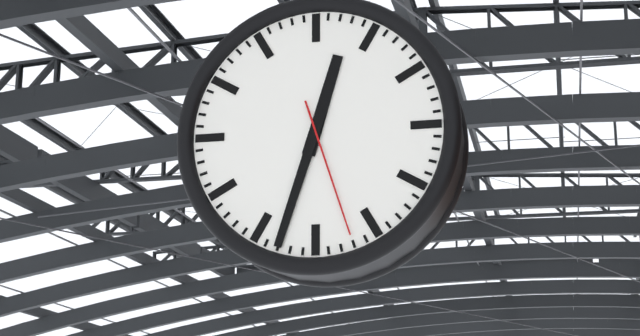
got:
12:33:27
